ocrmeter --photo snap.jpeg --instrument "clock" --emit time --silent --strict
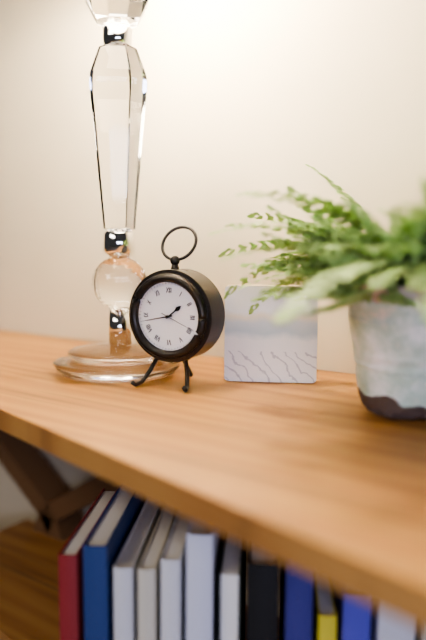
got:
1:43
